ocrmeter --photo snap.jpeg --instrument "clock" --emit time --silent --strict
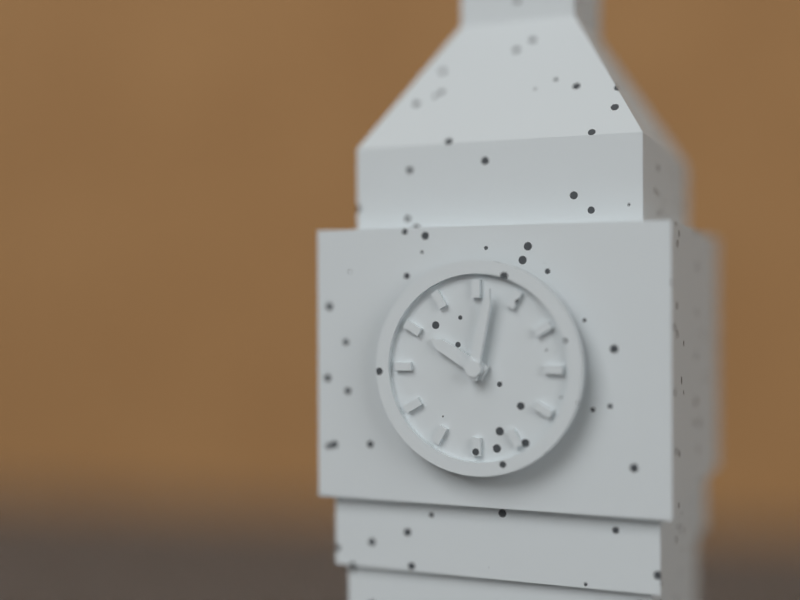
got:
10:02
